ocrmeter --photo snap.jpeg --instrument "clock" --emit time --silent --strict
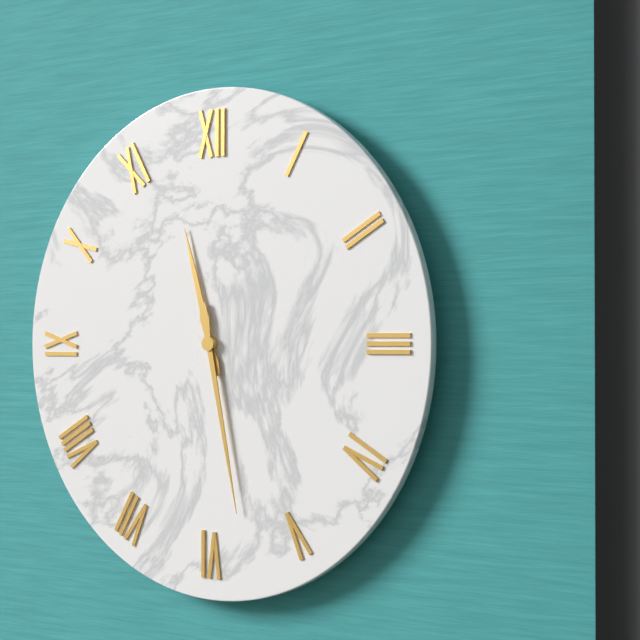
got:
11:28
